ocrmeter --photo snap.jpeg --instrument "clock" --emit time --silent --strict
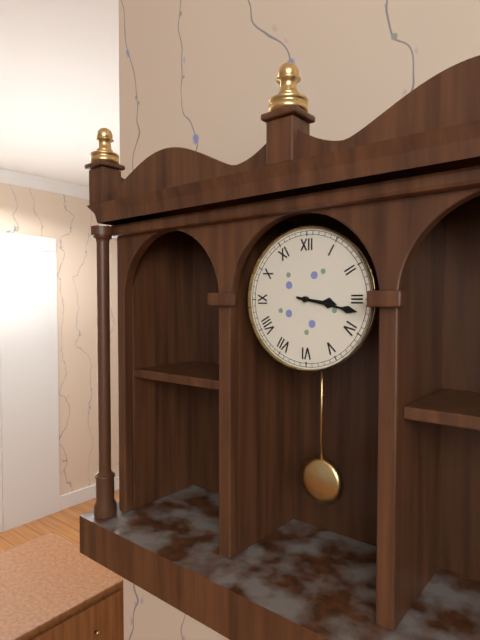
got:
3:17
